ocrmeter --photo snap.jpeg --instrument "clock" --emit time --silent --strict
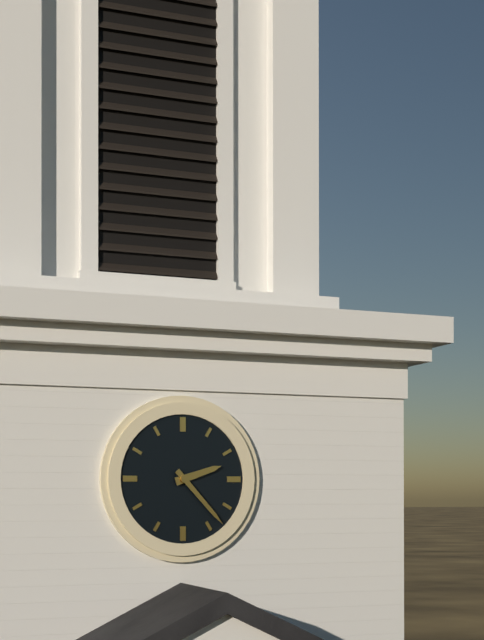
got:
2:23
